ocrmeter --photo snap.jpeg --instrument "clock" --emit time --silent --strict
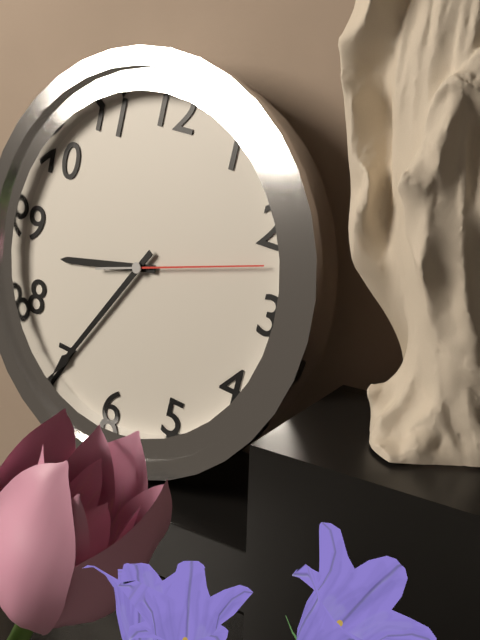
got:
8:35:12
